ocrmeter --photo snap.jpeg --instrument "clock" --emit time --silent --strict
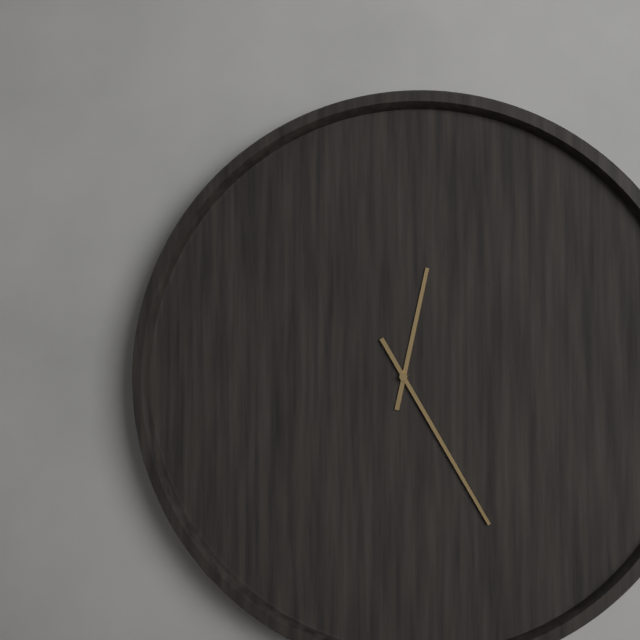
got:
12:25
